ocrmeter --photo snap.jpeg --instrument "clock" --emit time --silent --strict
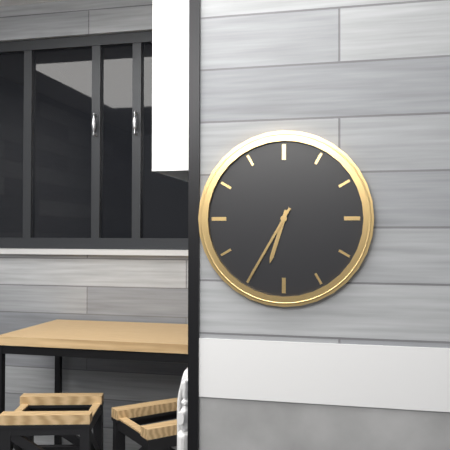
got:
6:35
